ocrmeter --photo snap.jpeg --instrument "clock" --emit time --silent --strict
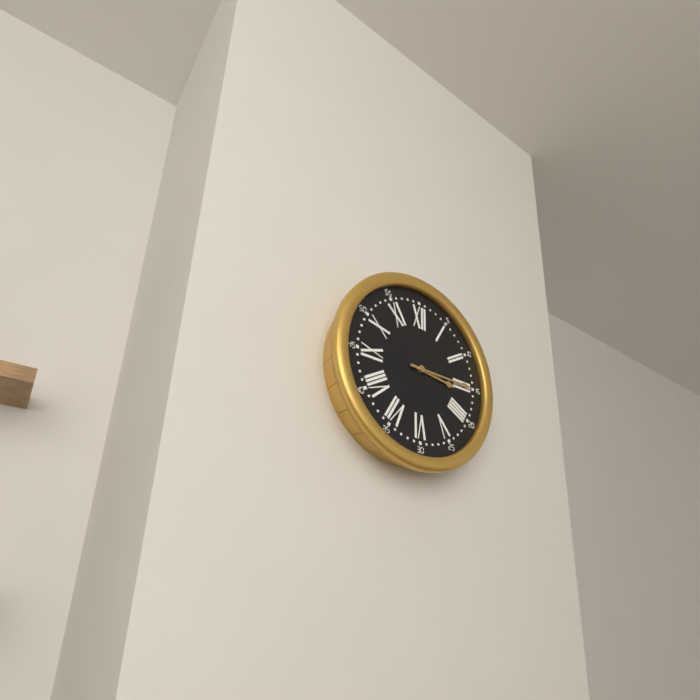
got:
3:15
